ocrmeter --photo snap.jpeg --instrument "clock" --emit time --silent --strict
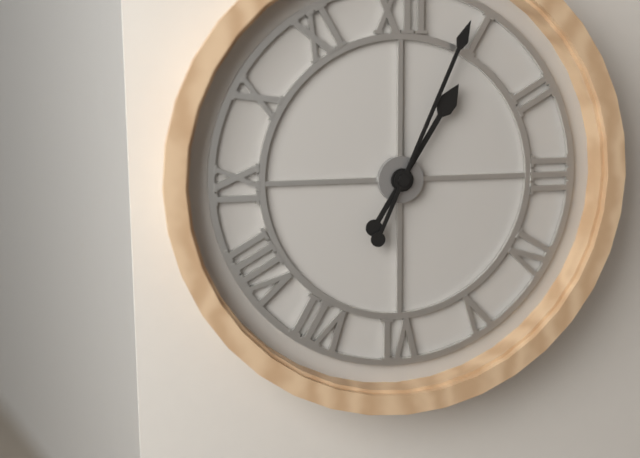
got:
1:04
